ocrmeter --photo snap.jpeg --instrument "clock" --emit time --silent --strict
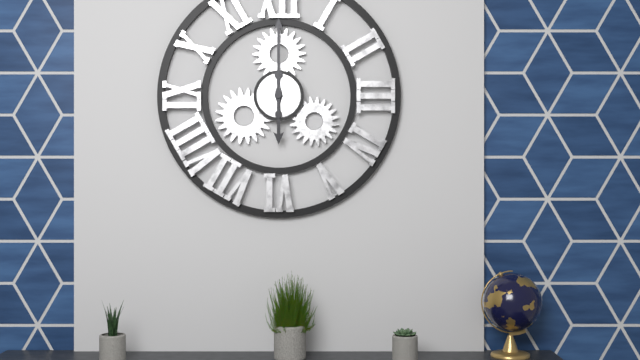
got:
6:00
